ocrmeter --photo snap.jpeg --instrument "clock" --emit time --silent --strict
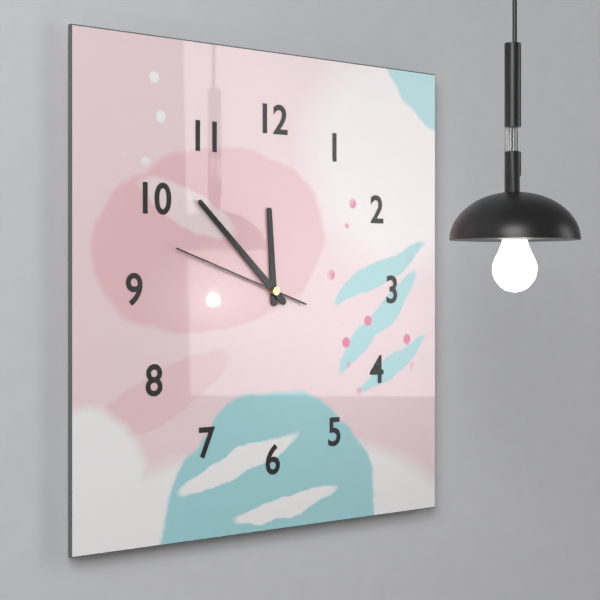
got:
11:52:48
